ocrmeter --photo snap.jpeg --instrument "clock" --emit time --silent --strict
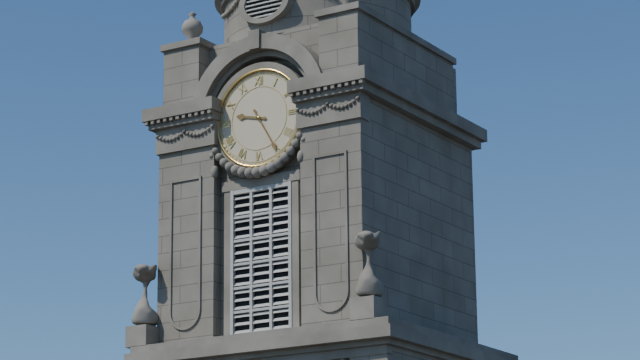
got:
9:25
